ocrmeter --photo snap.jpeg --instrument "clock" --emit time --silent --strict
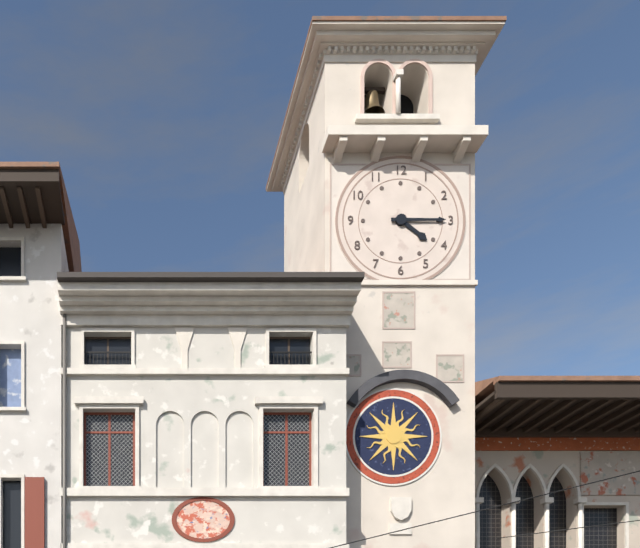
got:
4:15
